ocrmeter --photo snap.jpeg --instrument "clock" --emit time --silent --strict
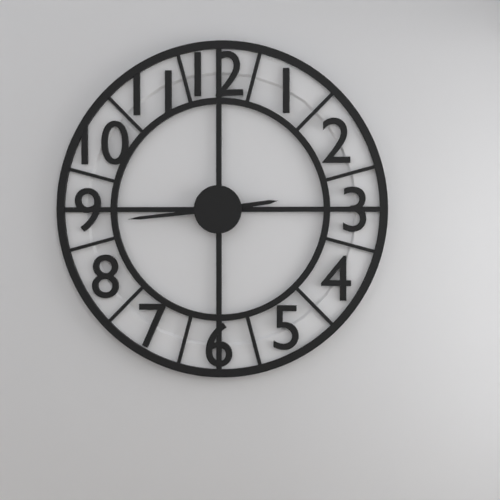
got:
2:44
